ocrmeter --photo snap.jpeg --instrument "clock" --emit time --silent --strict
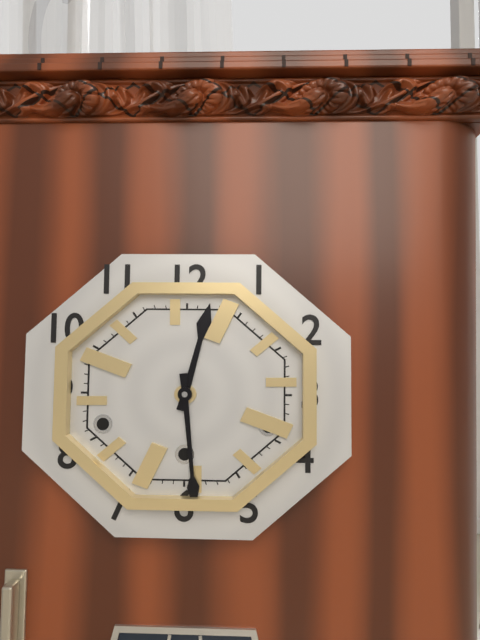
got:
12:29
